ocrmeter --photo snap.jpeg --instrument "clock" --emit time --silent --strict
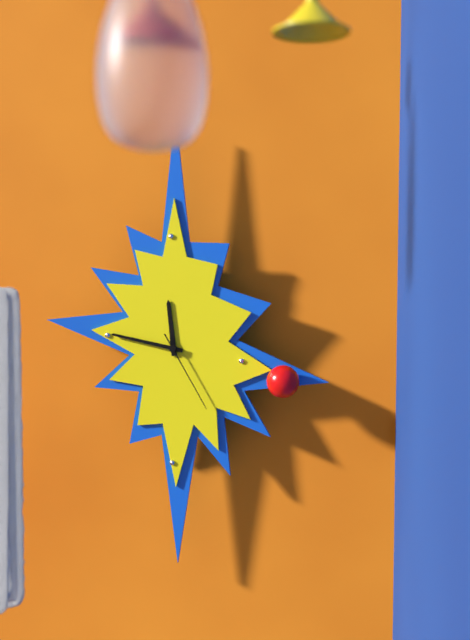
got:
11:47:25
